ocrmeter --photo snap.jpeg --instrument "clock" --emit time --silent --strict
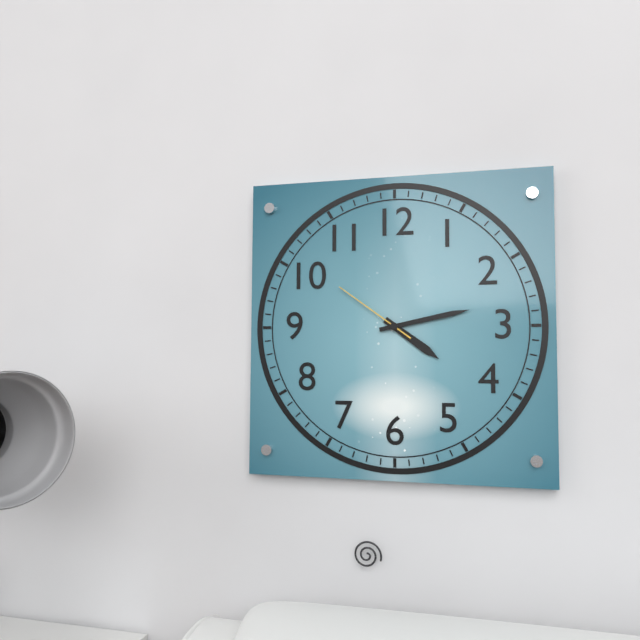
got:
4:13:51
